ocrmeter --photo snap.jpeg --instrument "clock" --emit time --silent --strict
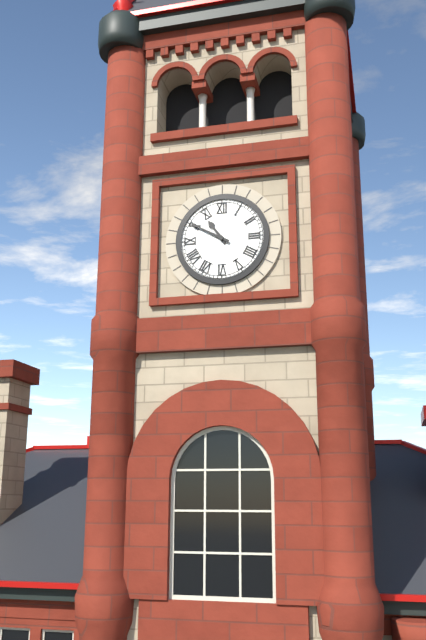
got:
10:50
